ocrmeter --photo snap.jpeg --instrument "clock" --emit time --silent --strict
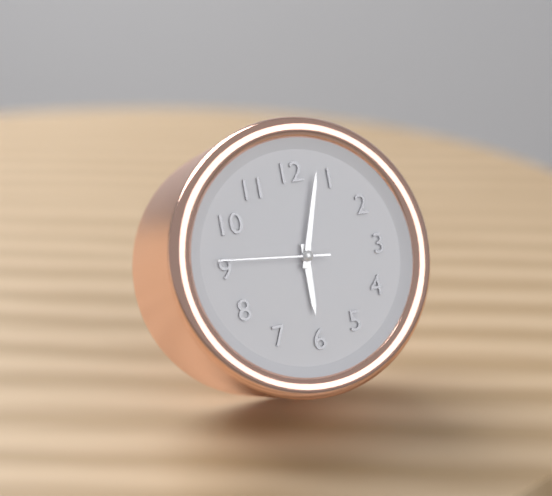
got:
6:03:46
